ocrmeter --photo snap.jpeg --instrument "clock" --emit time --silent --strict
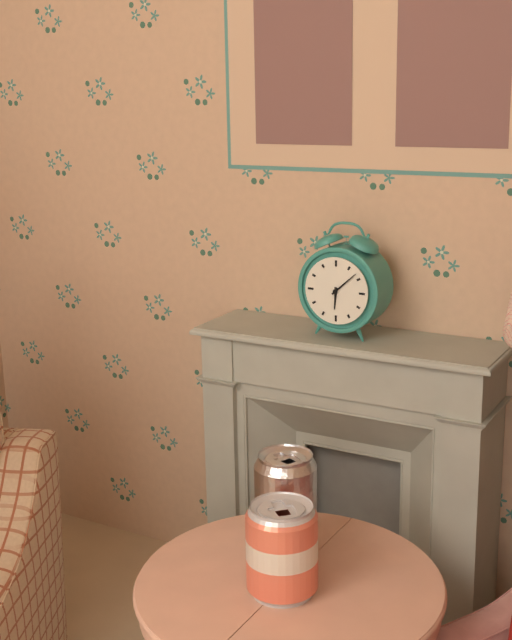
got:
6:08
